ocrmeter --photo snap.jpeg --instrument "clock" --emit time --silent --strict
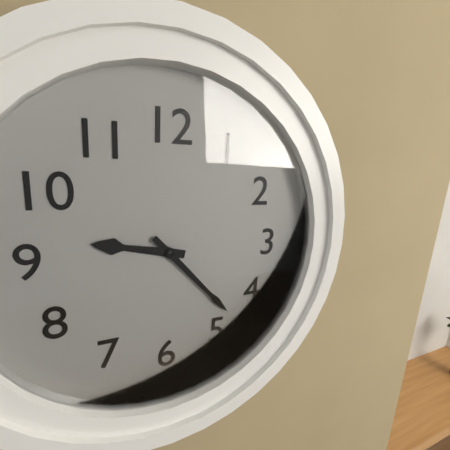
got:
9:23
